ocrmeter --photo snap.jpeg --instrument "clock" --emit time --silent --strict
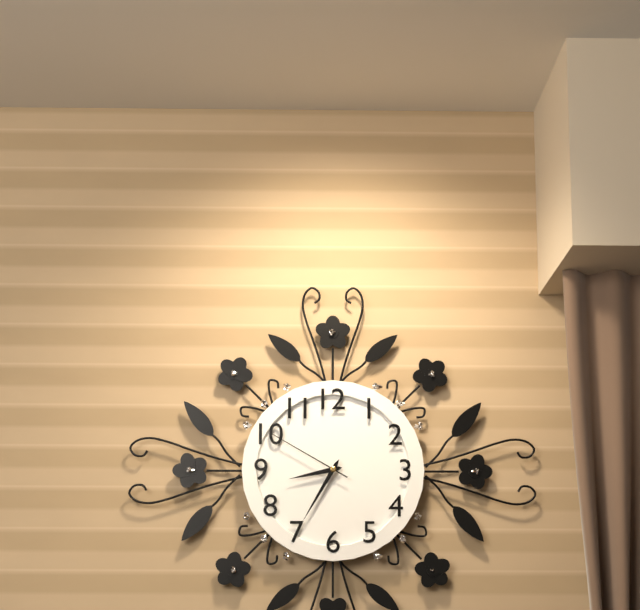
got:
8:35:50
